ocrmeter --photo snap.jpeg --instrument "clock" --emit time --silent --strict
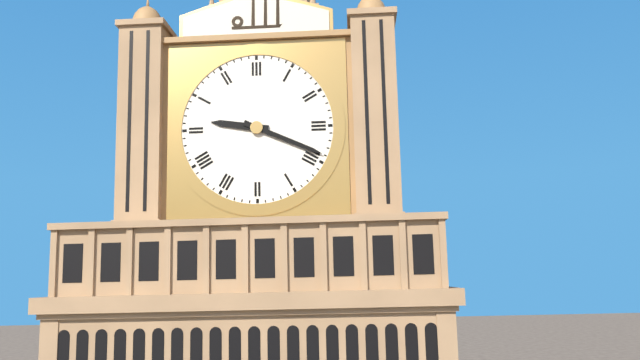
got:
9:19
